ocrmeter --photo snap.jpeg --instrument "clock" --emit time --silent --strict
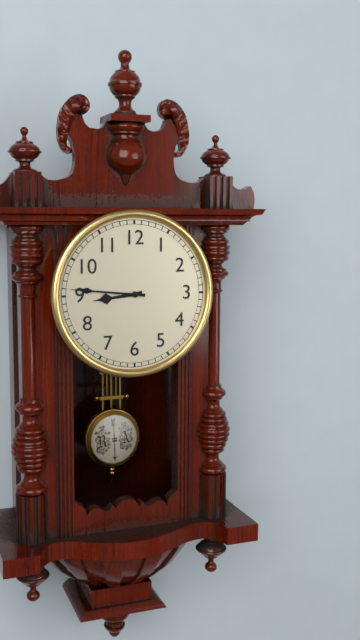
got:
8:46
